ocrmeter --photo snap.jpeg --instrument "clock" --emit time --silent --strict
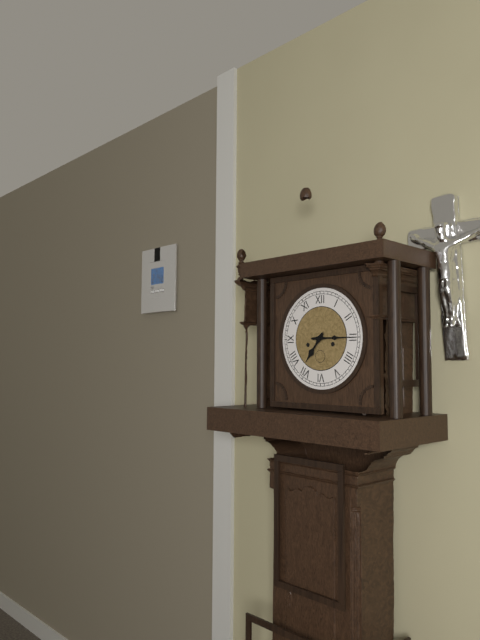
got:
7:15
